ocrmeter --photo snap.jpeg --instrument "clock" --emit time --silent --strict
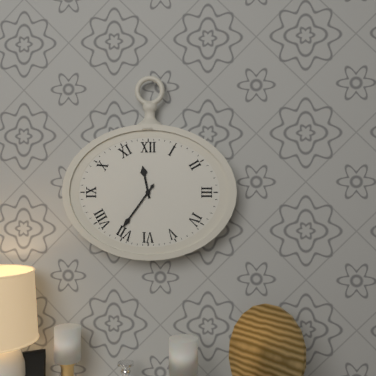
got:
11:36
